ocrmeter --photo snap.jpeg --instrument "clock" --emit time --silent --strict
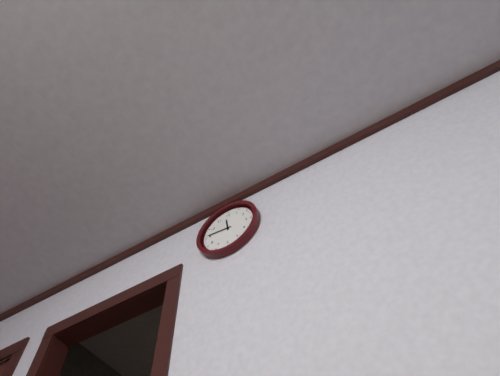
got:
11:46
